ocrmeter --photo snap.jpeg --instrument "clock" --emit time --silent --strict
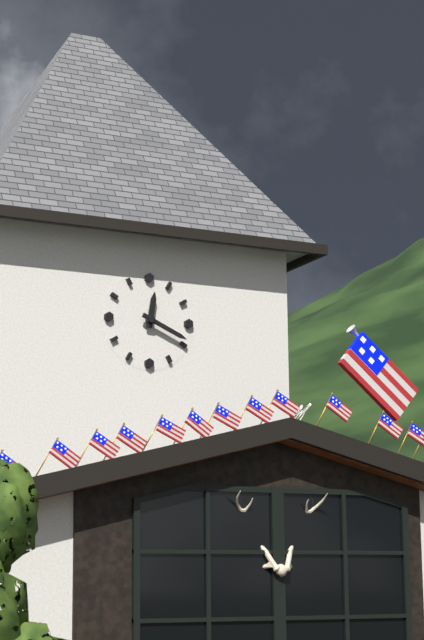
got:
12:19
